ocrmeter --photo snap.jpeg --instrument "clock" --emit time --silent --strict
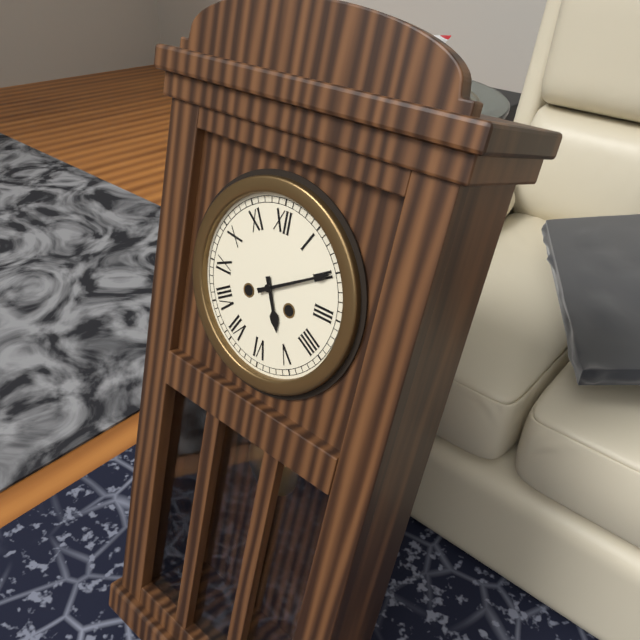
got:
5:10
